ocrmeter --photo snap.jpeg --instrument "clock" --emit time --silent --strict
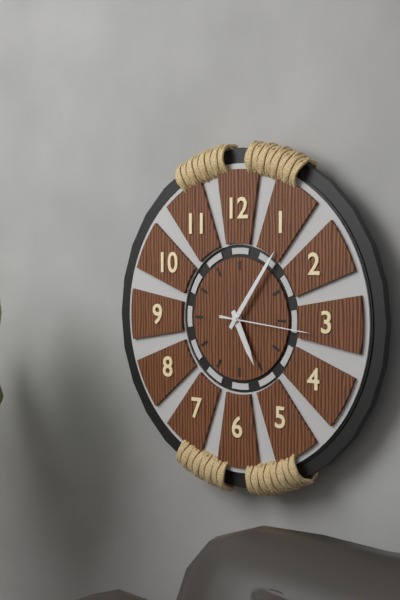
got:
5:06:16
